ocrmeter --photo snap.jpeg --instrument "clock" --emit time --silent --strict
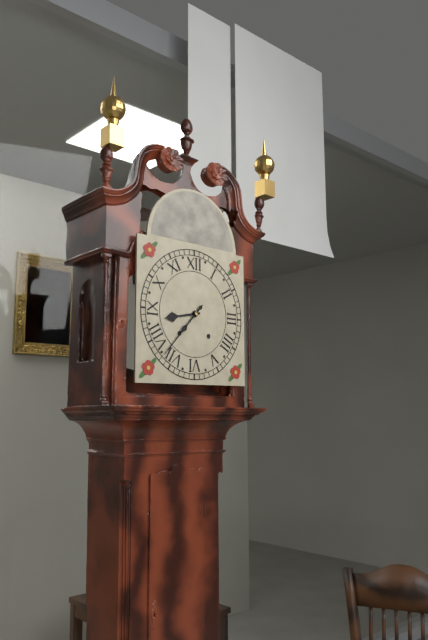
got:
8:37
